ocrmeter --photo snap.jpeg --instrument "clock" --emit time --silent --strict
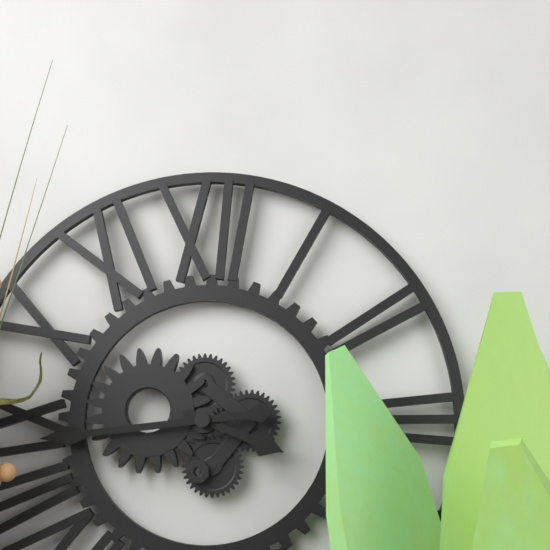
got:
3:44
